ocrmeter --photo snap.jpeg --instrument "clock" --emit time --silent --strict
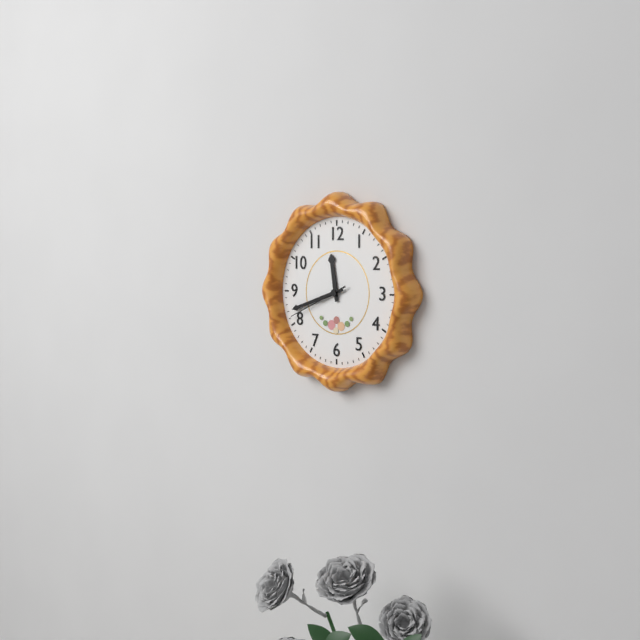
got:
11:42:41
